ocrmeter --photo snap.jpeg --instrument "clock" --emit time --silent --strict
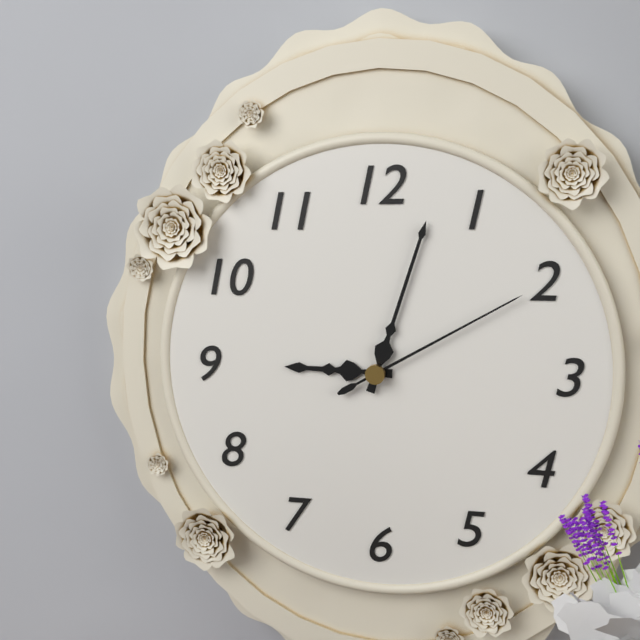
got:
9:03:10
